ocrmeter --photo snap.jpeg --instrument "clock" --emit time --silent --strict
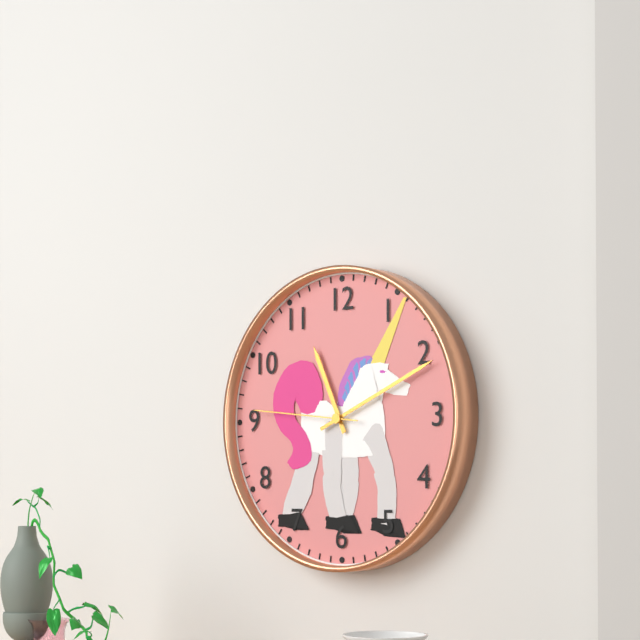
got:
11:11:46
